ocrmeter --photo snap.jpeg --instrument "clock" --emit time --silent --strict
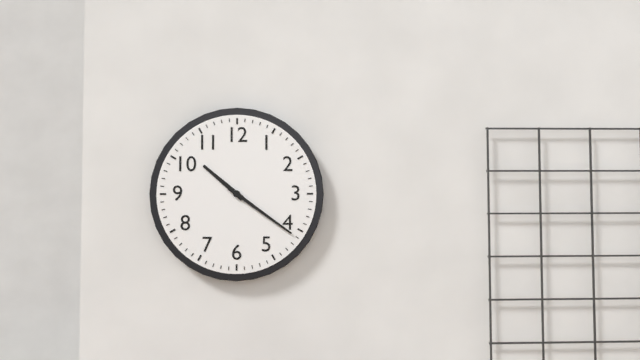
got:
10:21
